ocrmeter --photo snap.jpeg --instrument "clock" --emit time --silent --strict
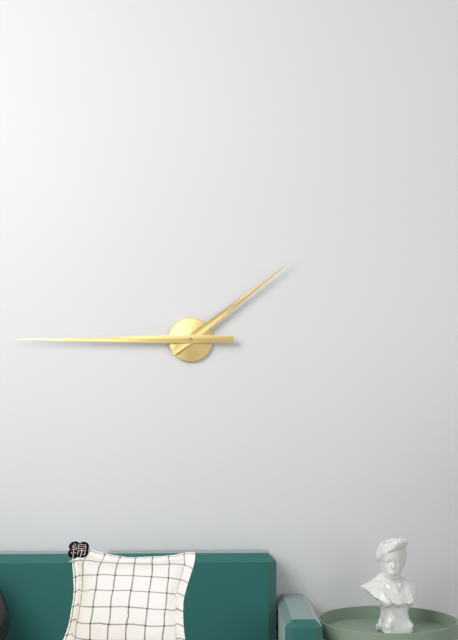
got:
1:45
